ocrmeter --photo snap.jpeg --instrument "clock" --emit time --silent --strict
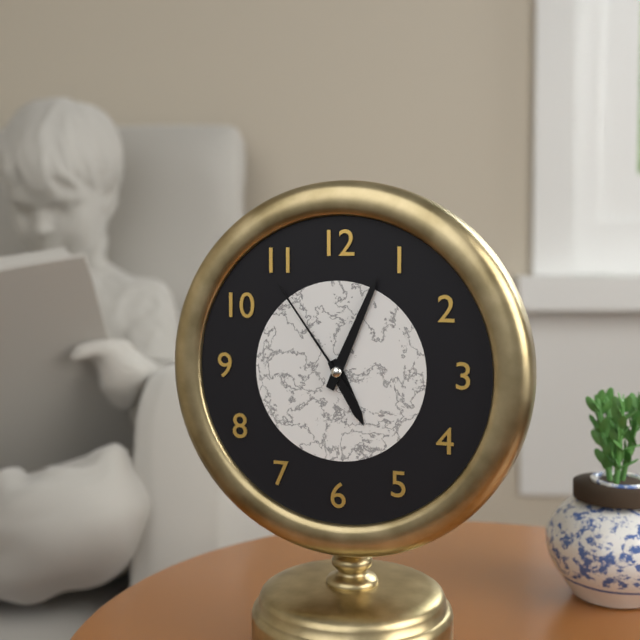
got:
5:04:54
